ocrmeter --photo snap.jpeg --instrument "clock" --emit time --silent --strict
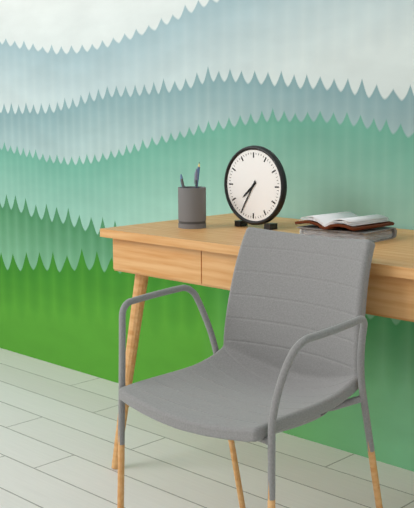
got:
7:35
